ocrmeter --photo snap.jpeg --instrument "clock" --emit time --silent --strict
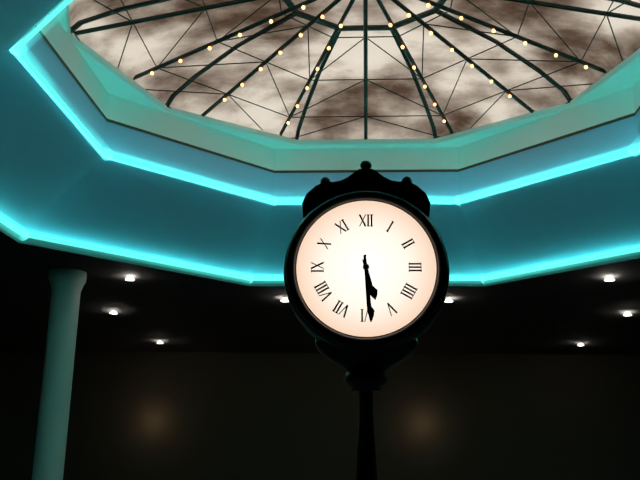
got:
5:29
